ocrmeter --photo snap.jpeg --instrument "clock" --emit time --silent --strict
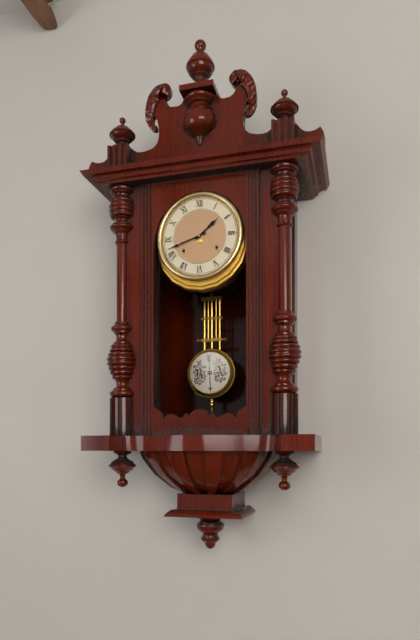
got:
1:42
